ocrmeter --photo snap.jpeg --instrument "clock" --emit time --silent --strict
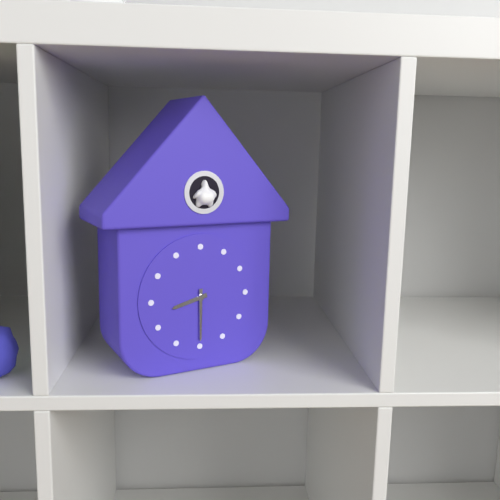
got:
8:30
